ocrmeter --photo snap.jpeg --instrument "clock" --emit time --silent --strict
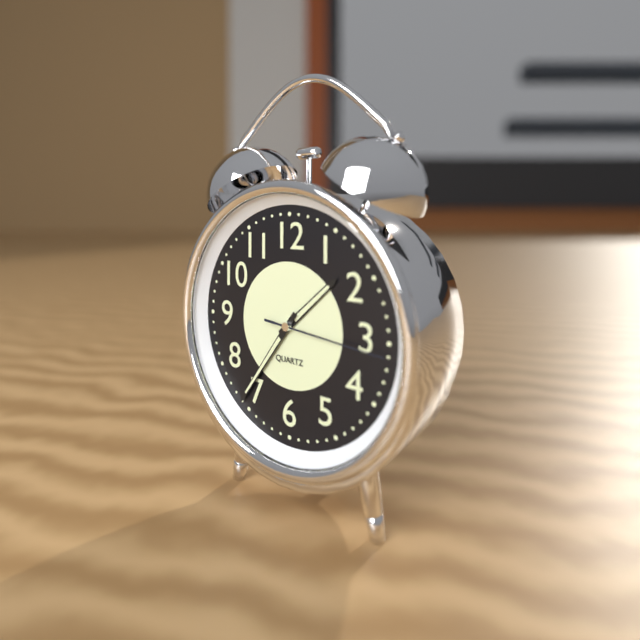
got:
1:36:16
